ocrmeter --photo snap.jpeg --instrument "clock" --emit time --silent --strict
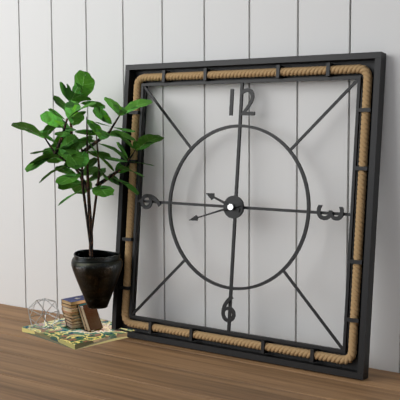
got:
9:42
